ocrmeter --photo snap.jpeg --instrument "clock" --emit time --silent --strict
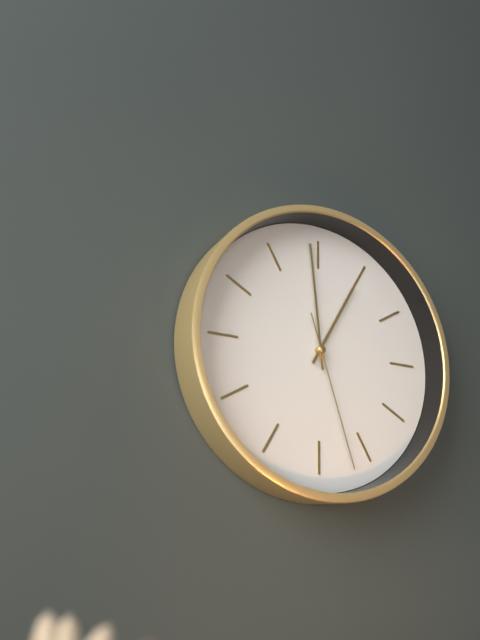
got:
12:59:27
